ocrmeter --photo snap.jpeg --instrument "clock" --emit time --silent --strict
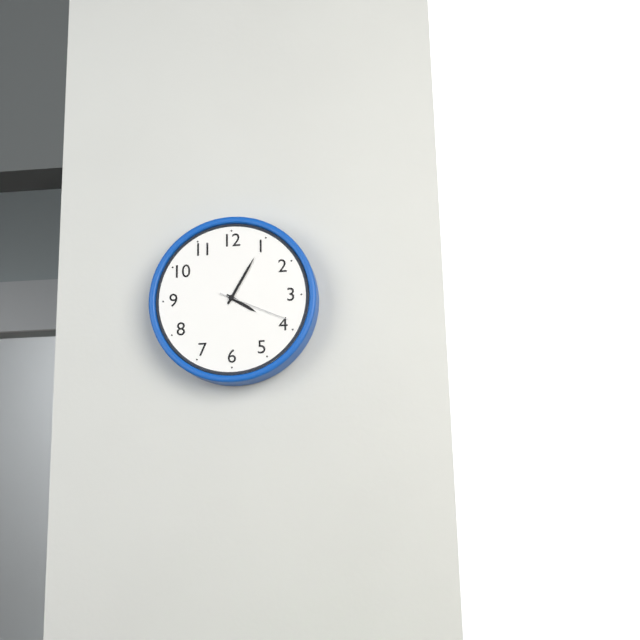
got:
4:05:19
